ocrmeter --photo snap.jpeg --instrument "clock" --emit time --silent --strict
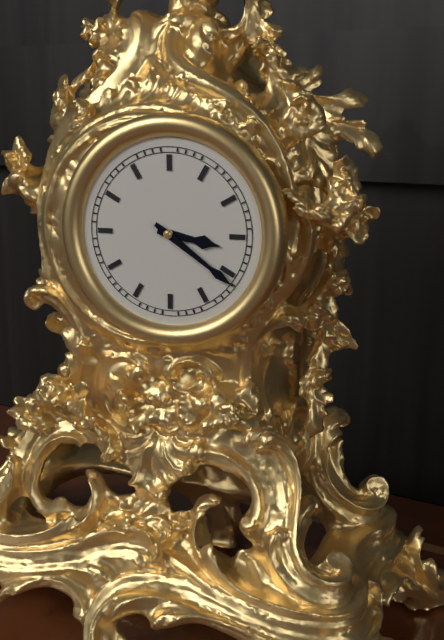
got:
3:21
